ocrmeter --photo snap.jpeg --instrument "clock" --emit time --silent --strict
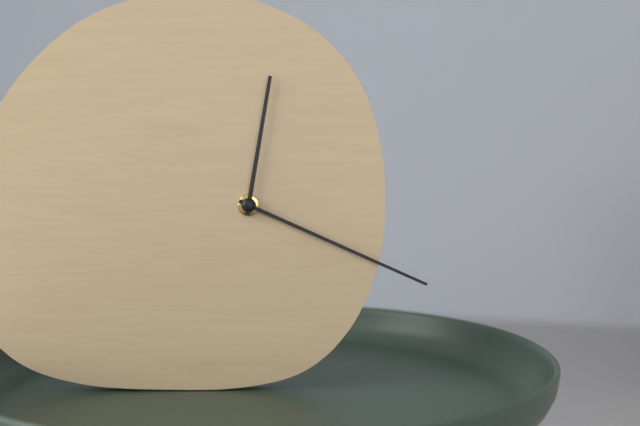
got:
12:19
